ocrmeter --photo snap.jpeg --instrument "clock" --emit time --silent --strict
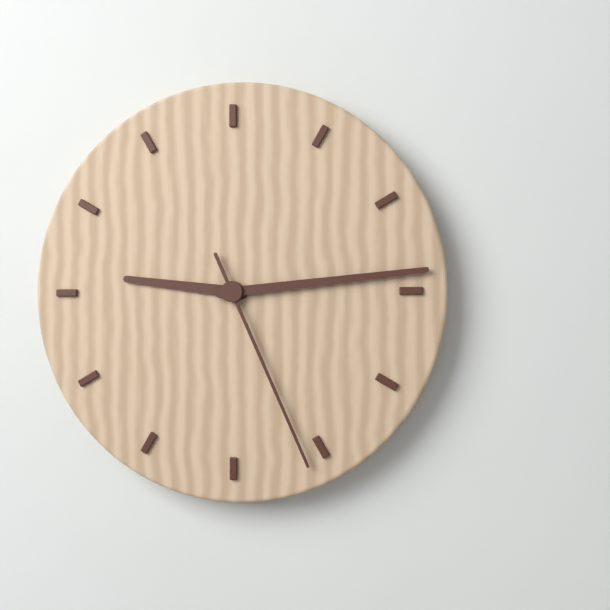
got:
9:14:26
